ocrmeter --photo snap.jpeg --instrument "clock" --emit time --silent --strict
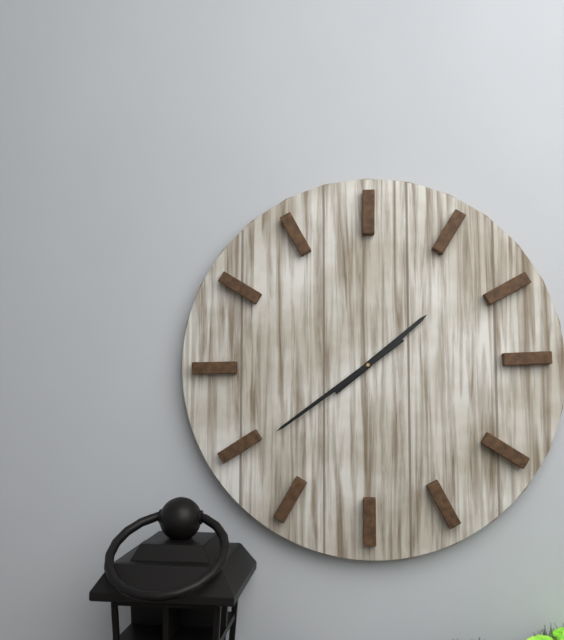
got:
1:39
